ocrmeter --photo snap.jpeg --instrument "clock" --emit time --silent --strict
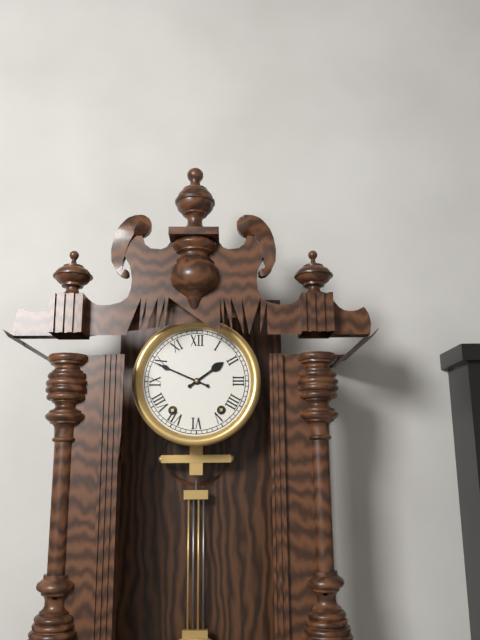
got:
1:49
